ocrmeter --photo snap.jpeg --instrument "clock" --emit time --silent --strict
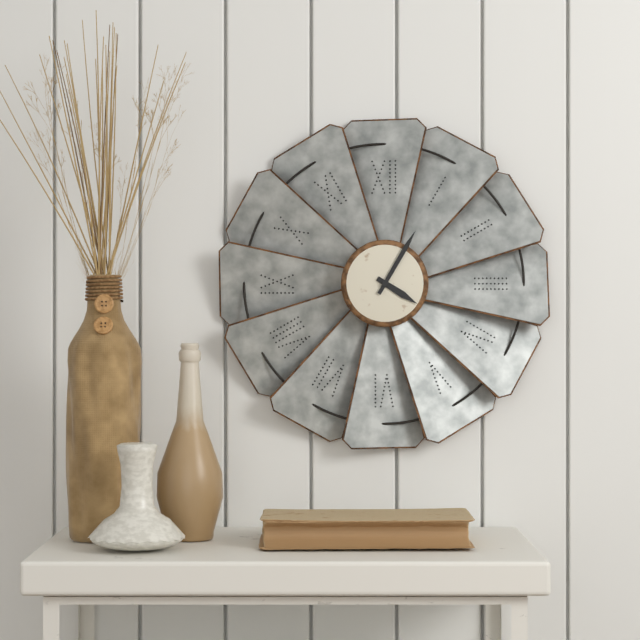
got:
4:05
